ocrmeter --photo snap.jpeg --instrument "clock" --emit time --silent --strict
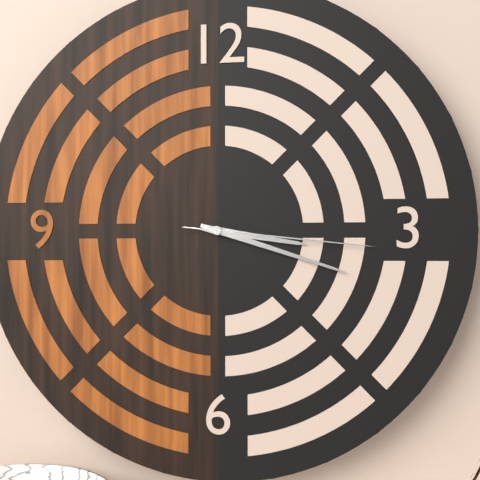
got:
3:18:16
